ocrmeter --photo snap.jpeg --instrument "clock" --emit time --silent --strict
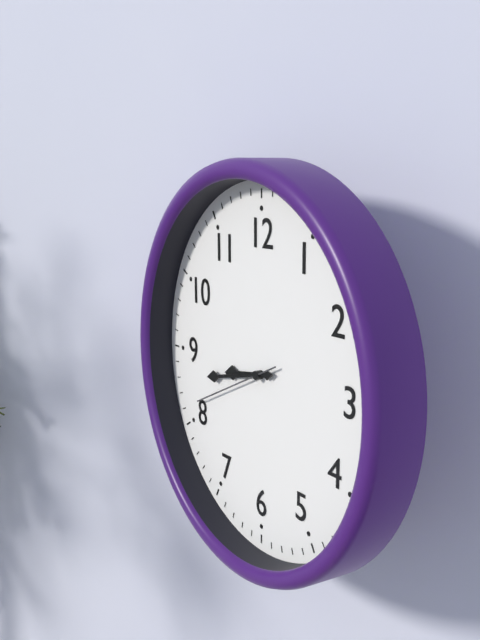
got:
8:43:41
